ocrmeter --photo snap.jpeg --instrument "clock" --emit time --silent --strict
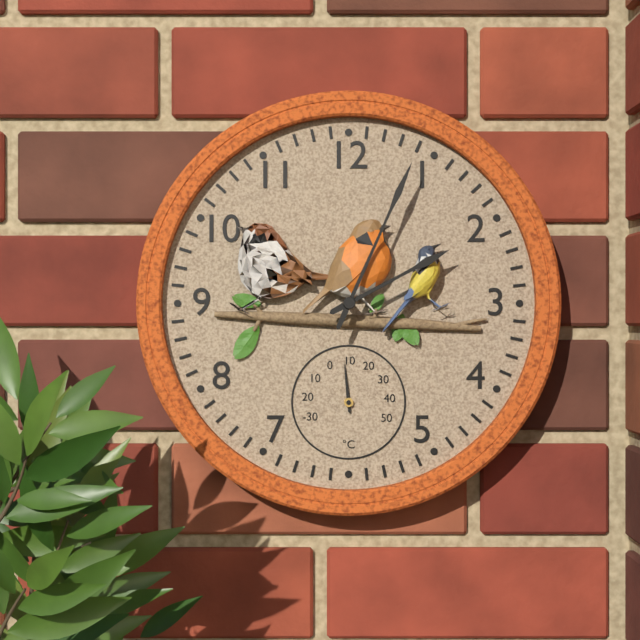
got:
2:04
